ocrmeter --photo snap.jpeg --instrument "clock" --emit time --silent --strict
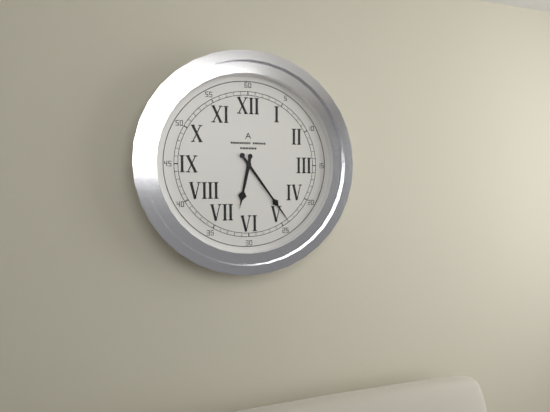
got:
6:24
